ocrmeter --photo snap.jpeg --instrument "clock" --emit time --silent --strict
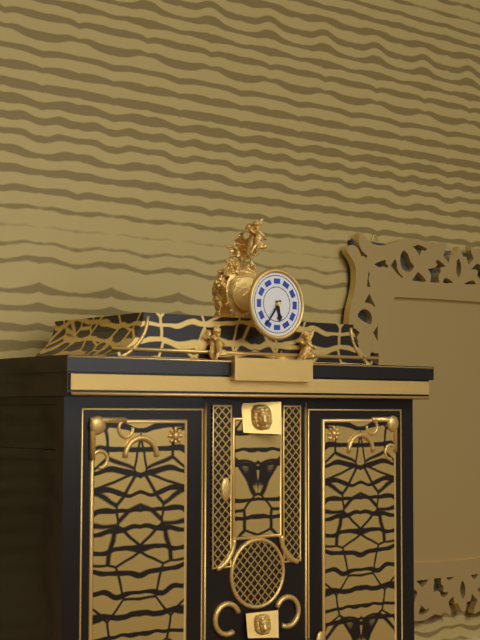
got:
5:36
